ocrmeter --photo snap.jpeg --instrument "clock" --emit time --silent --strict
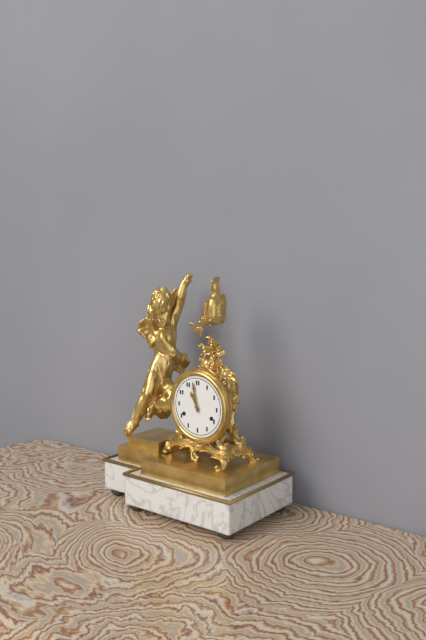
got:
10:58
